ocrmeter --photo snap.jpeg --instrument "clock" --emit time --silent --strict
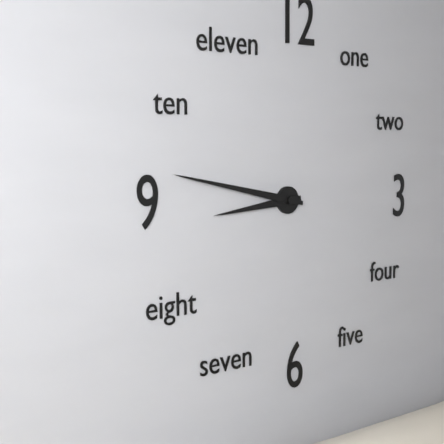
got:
8:47
